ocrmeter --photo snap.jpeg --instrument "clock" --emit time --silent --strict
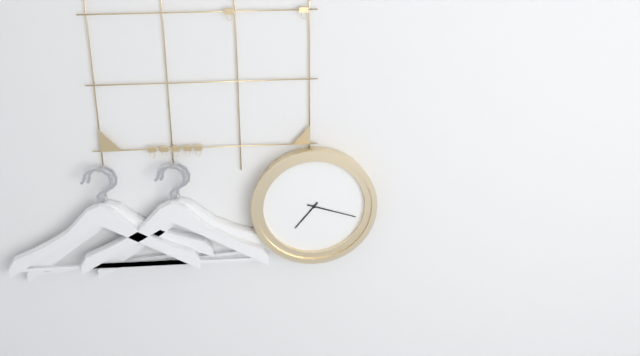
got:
7:18
